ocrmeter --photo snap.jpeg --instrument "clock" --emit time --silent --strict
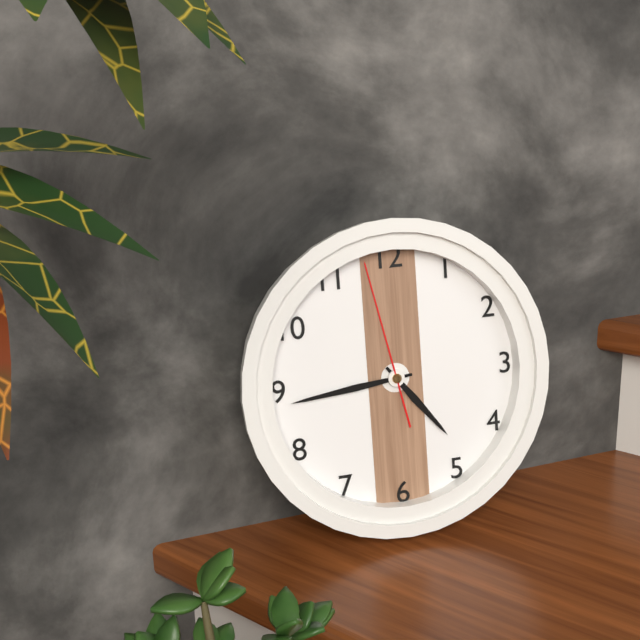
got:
4:44:58
